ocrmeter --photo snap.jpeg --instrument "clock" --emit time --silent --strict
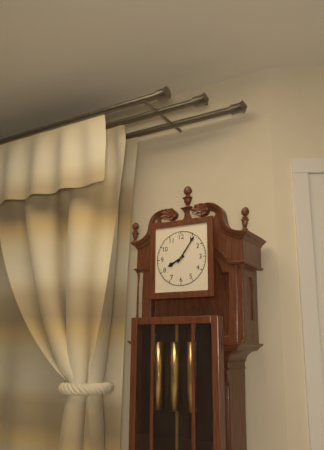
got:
8:06
